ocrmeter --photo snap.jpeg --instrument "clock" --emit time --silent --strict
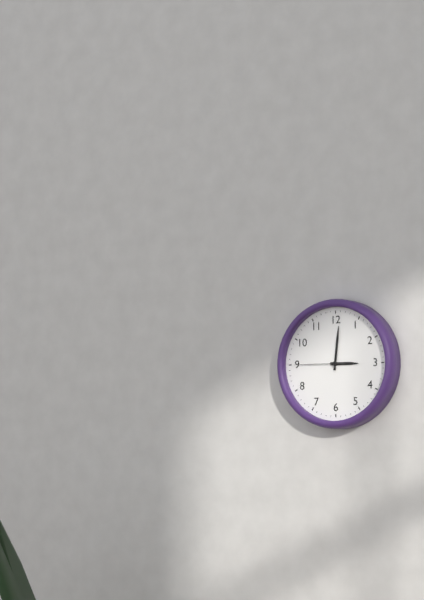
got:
3:01:45
